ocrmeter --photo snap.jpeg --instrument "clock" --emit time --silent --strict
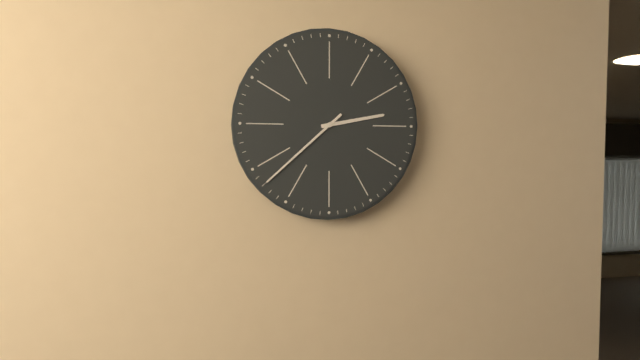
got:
2:38
